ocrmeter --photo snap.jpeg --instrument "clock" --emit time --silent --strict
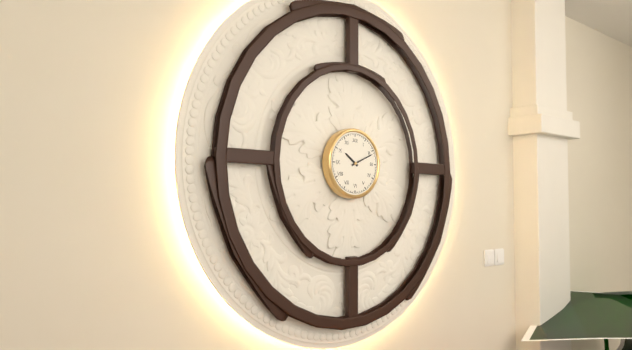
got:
10:11
